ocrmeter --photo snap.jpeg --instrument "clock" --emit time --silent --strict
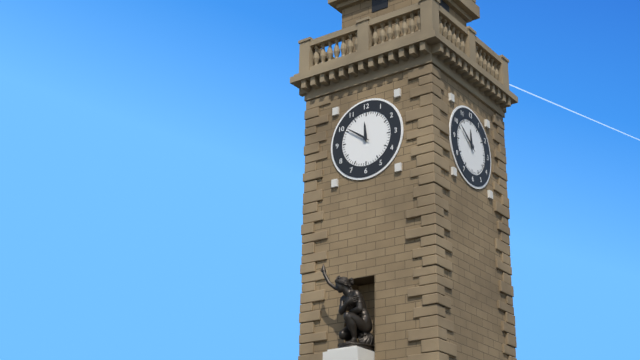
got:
11:51
